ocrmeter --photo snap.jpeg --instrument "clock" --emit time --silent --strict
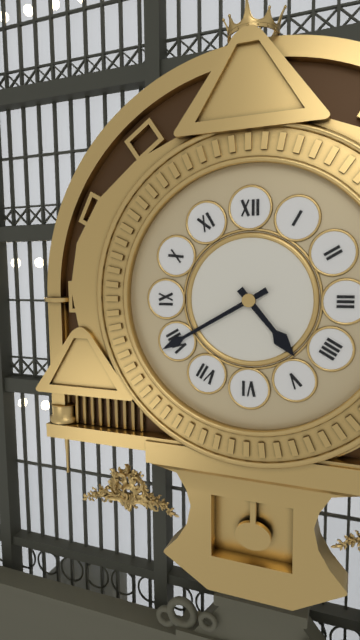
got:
4:40
